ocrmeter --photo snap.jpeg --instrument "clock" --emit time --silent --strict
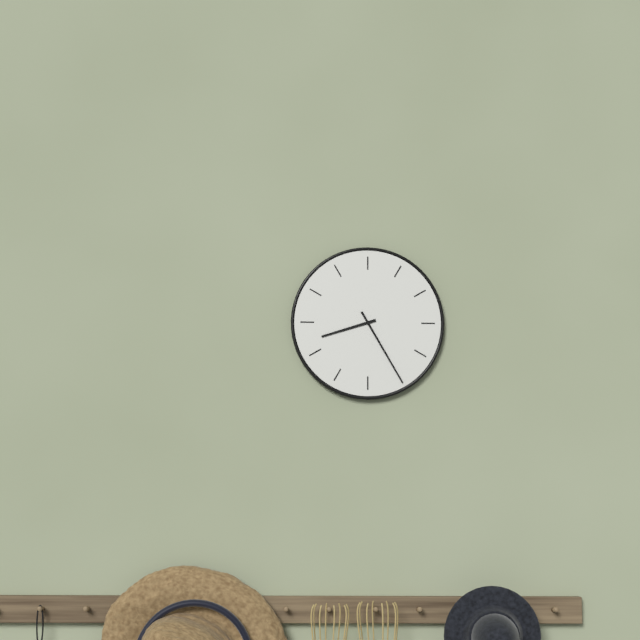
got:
8:25
